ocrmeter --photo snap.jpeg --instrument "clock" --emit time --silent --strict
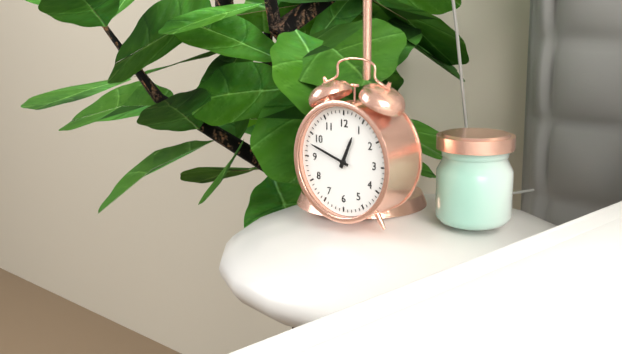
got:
12:48
